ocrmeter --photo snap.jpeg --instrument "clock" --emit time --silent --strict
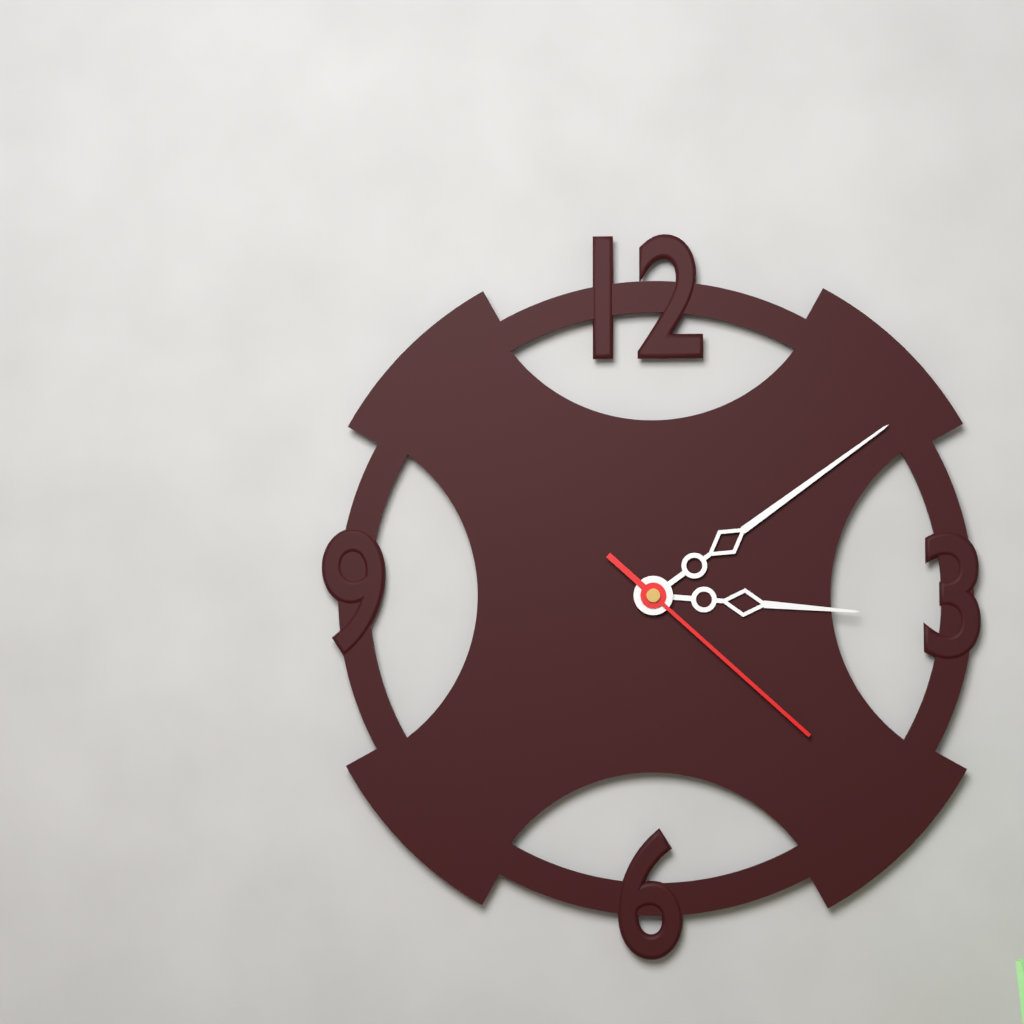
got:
3:09:22
